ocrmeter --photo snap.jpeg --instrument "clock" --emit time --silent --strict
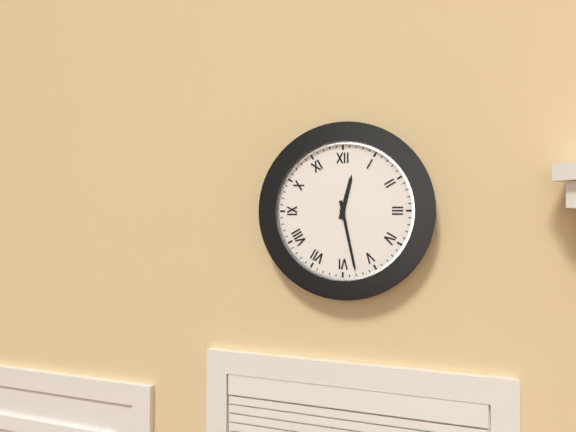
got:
12:28
